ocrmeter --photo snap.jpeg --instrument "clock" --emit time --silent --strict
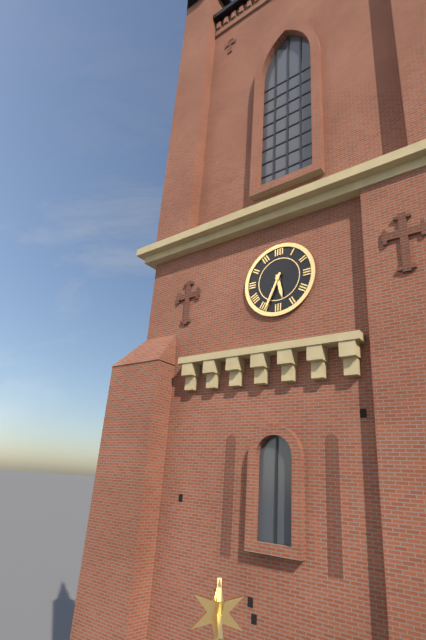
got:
5:34
